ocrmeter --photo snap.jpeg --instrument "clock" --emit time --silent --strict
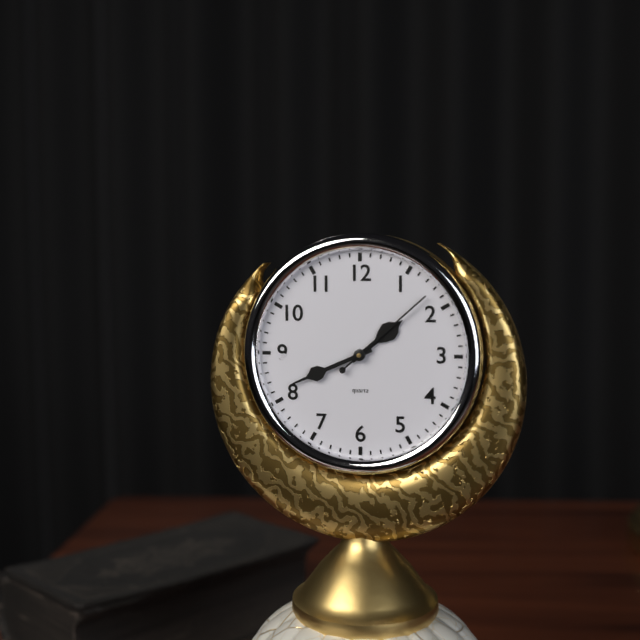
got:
1:41:08
